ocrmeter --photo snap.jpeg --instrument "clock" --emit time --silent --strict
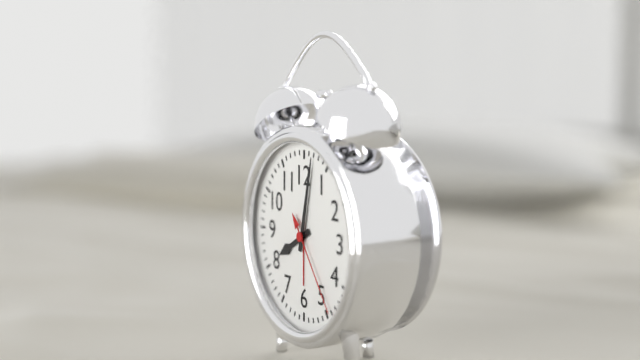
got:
8:02:24
